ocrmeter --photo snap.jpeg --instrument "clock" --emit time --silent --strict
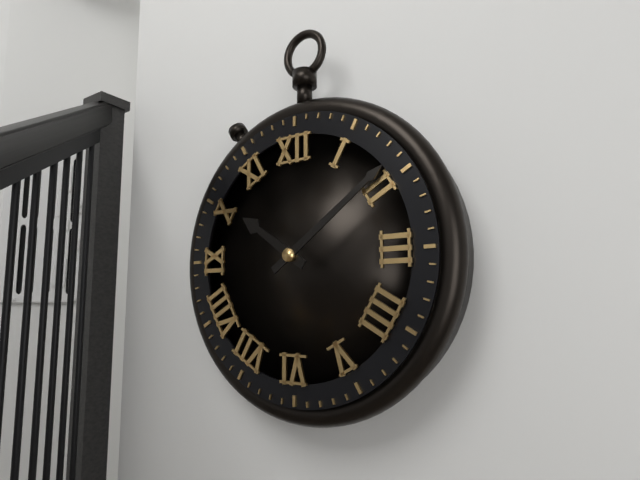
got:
10:09
